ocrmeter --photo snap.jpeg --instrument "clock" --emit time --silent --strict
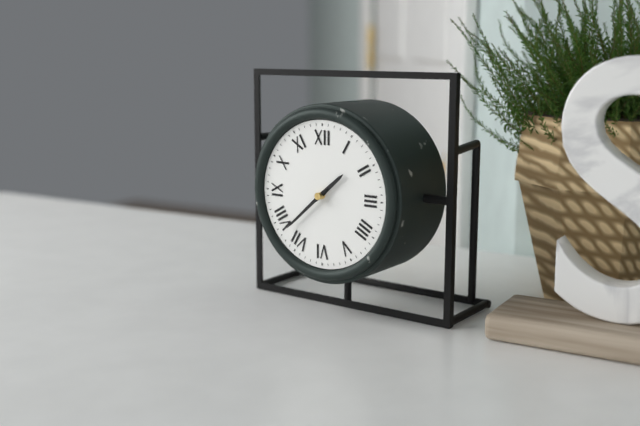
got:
1:38
